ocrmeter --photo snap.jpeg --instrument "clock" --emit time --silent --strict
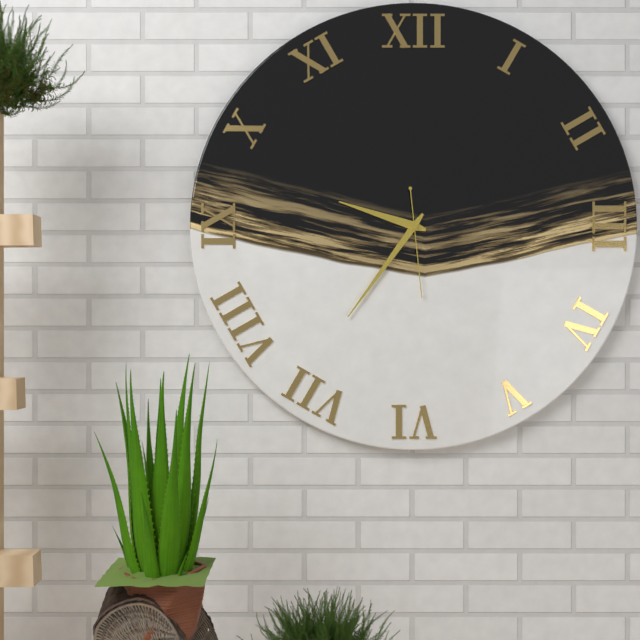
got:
9:36:29
